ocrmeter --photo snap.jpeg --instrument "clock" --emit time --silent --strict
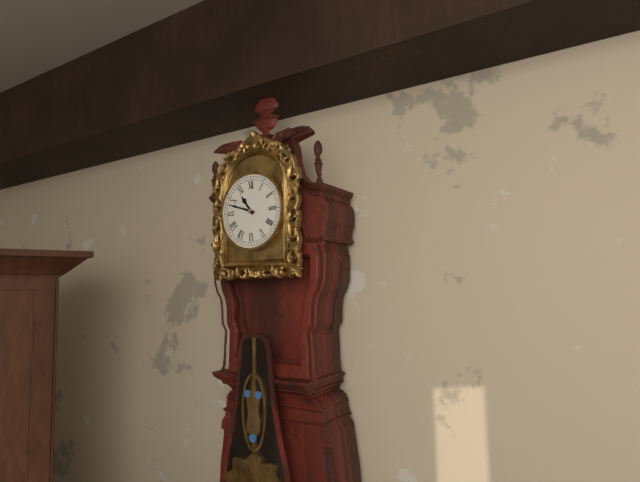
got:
10:48
